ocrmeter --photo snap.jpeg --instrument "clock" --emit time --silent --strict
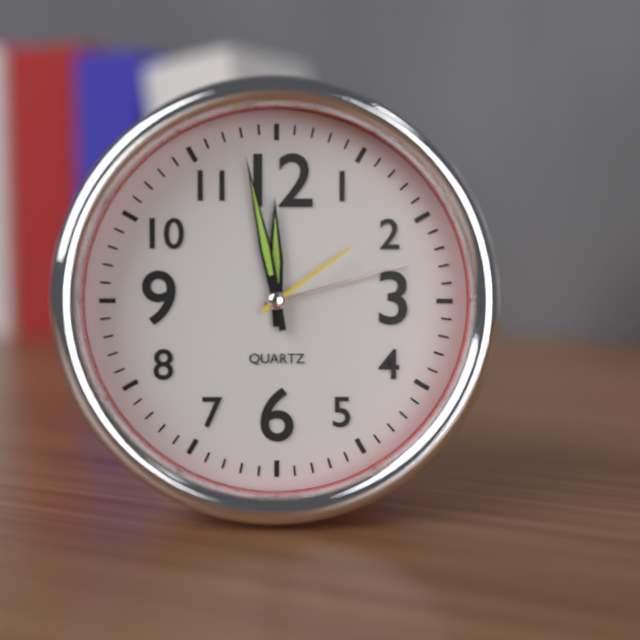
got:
11:58:09
